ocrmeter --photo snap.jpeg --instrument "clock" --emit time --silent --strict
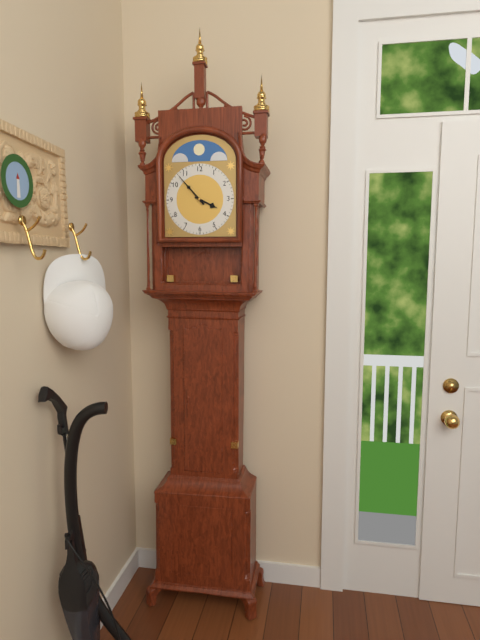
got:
3:53
